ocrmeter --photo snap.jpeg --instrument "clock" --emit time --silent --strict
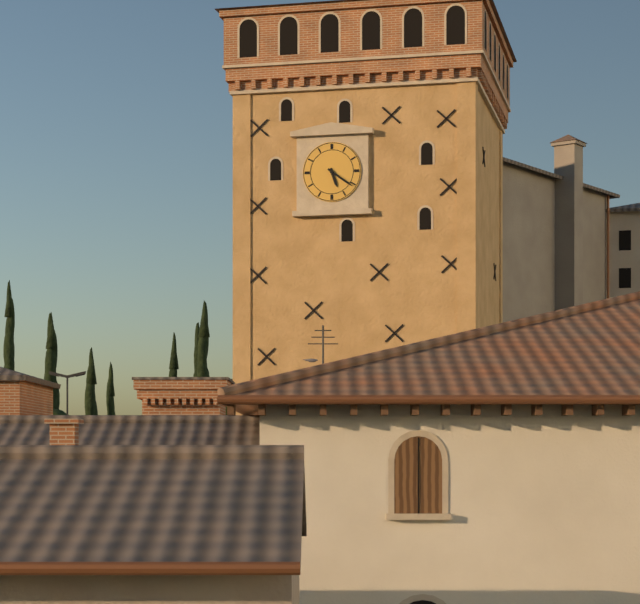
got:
5:21
